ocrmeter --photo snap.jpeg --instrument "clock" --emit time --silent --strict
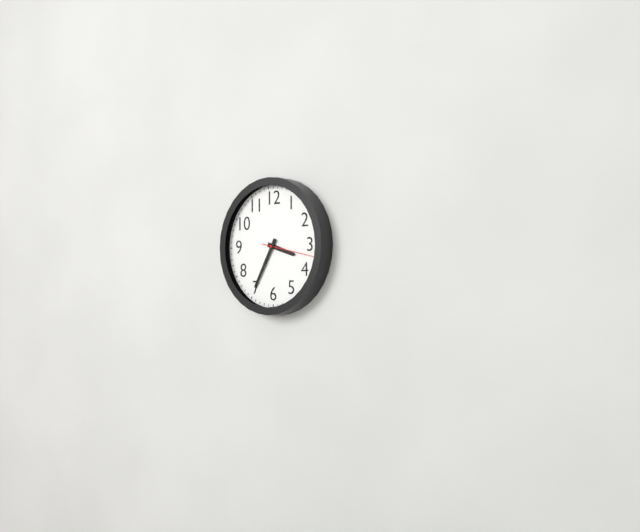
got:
3:35
